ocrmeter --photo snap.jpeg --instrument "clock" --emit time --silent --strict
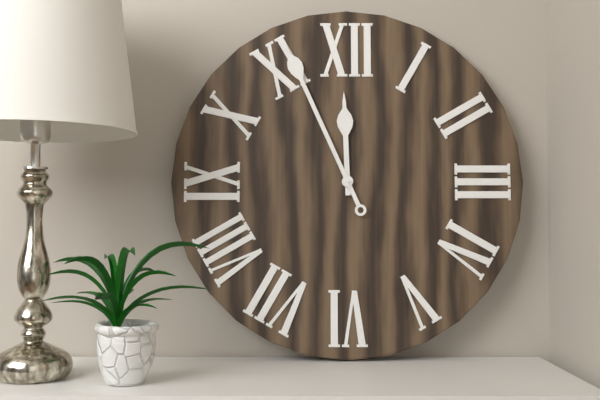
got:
11:56
